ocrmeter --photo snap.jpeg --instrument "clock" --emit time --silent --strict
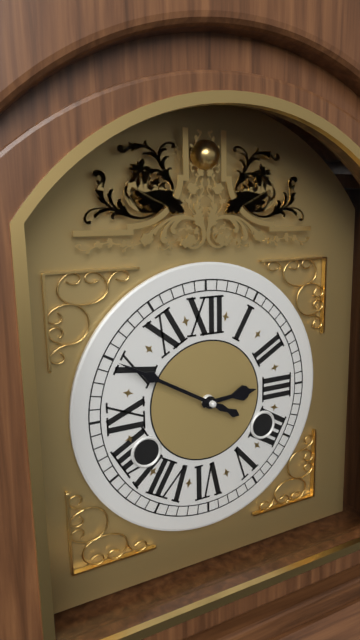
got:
2:50
